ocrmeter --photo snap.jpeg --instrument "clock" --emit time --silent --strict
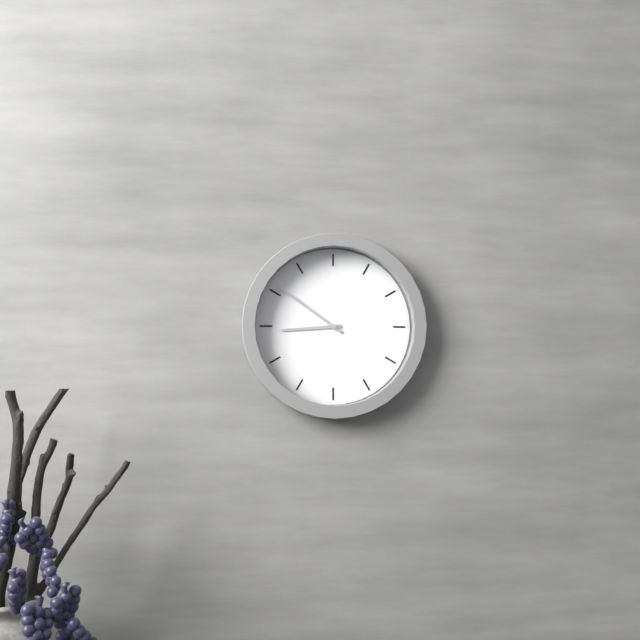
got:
8:51
